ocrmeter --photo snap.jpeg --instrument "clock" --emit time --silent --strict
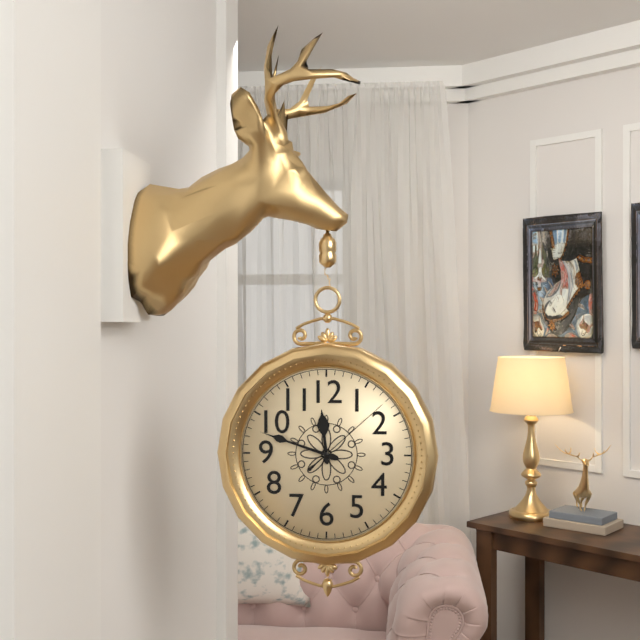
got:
11:48:08
